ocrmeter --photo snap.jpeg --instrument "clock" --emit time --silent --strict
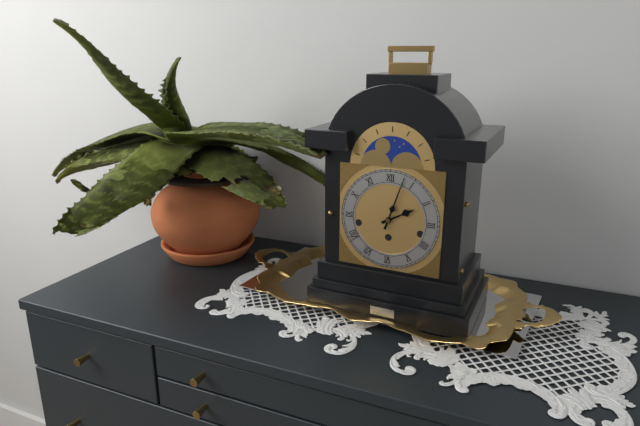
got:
2:03
